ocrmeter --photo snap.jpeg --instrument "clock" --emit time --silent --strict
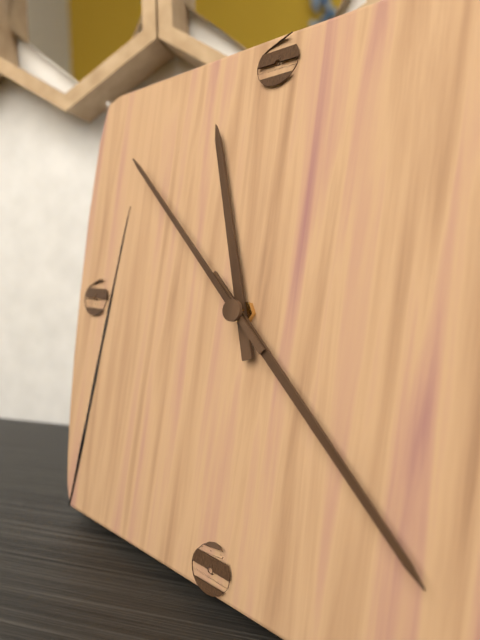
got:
11:22:52
